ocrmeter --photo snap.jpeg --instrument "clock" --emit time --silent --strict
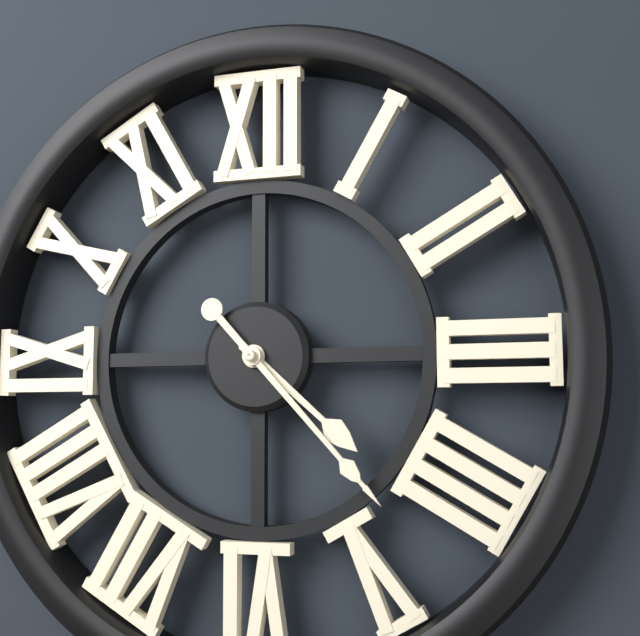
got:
4:23
